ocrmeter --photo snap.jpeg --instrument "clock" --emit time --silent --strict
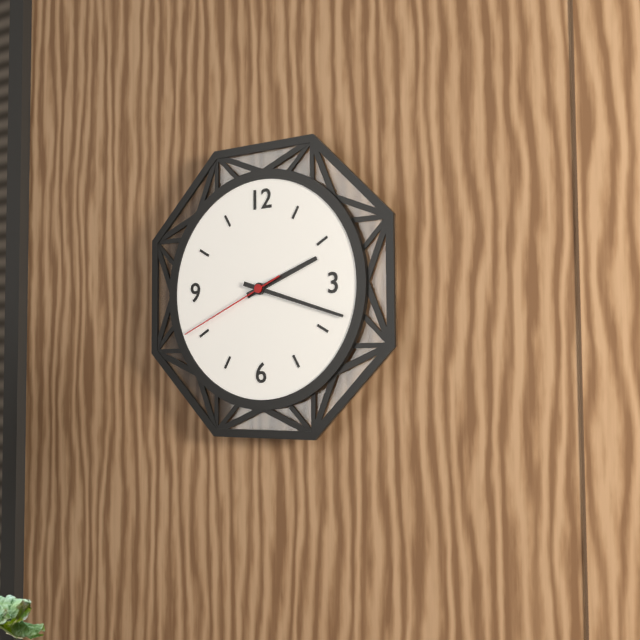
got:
2:18:41
